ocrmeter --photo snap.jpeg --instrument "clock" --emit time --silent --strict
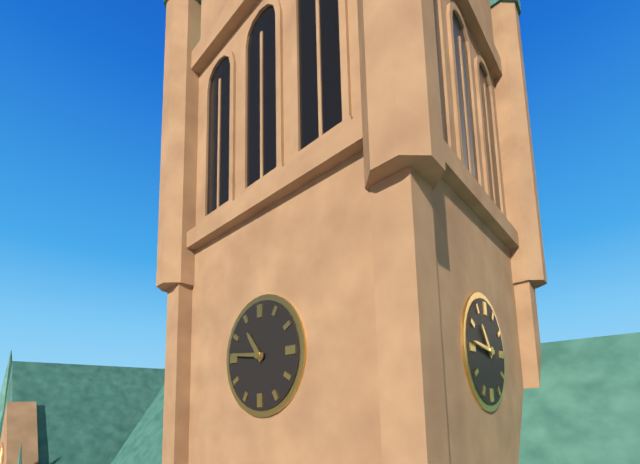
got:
10:46
